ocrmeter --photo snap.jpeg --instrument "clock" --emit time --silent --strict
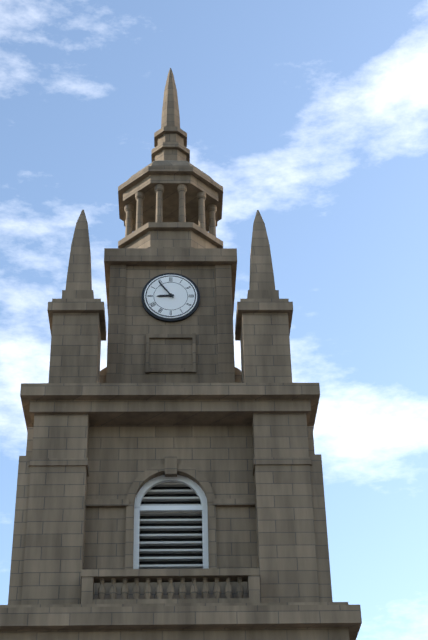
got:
8:54
